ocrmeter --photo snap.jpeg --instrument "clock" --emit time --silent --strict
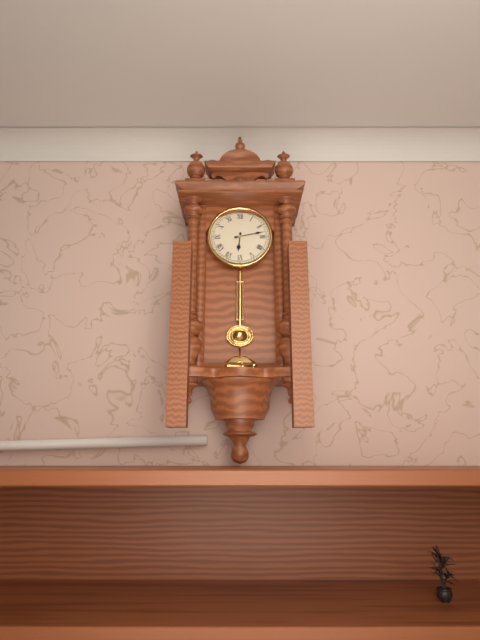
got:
6:13
